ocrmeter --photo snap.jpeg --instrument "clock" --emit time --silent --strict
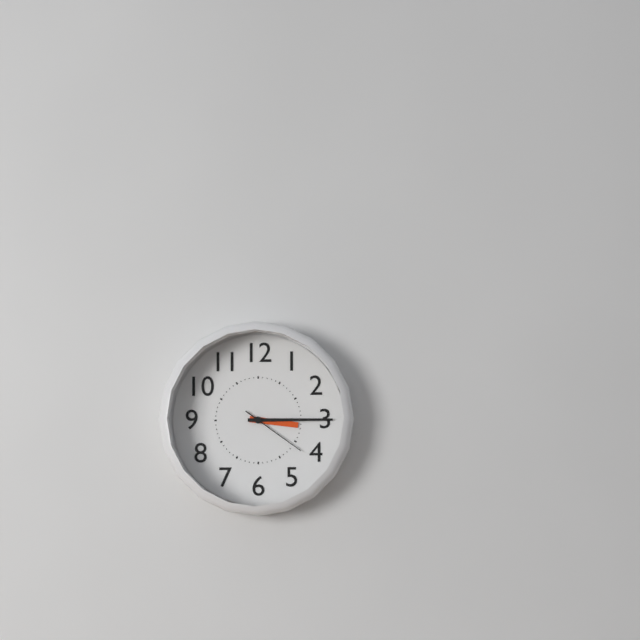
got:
3:15:21
